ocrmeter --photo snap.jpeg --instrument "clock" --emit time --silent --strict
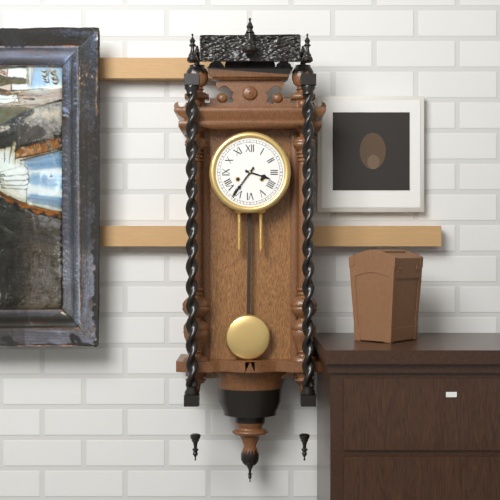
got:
3:36
